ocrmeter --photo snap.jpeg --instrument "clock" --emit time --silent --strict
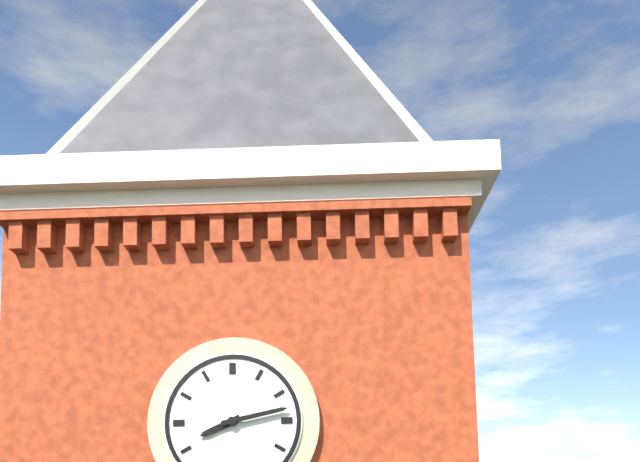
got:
8:13
